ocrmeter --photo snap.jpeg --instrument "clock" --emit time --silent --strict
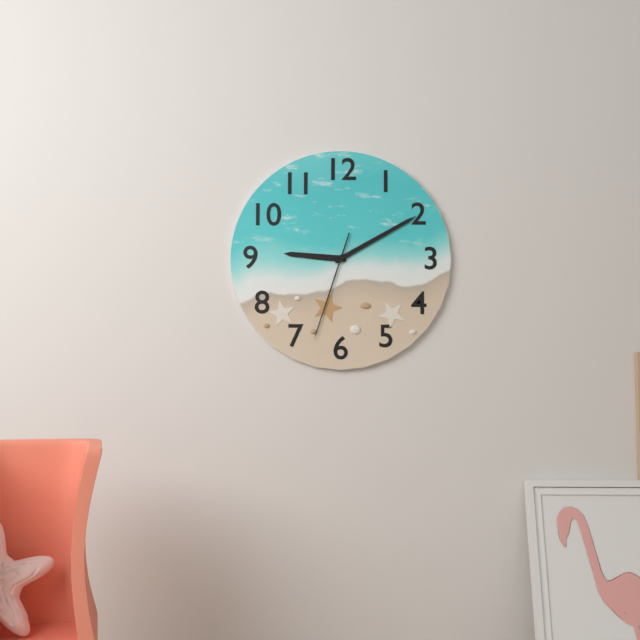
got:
9:10:33
